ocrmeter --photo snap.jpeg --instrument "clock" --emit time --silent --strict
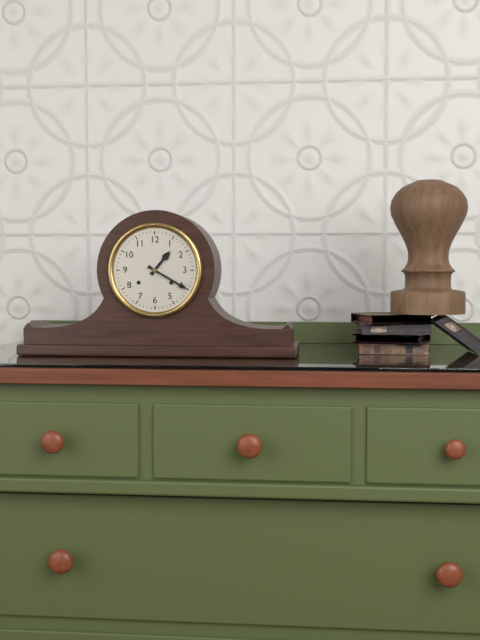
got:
1:20
